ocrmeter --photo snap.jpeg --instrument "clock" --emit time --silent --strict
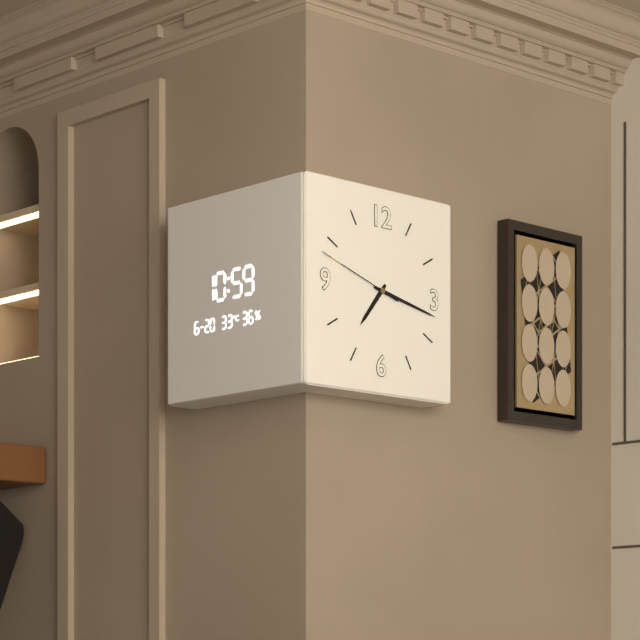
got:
7:17:48
